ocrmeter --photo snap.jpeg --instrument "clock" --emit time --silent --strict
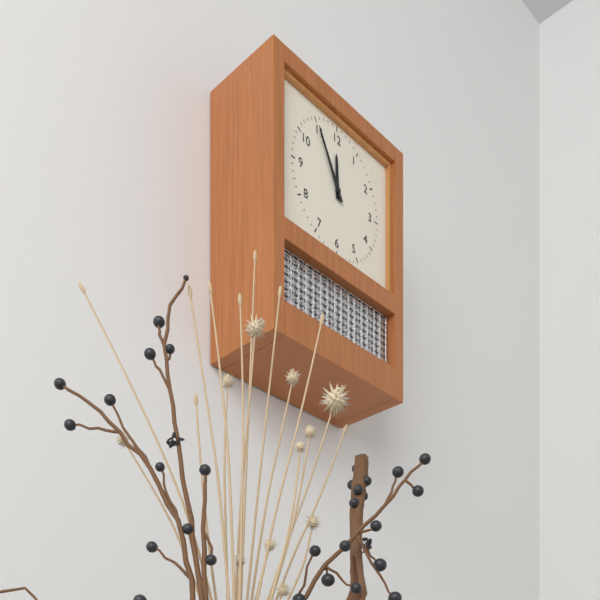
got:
11:55
